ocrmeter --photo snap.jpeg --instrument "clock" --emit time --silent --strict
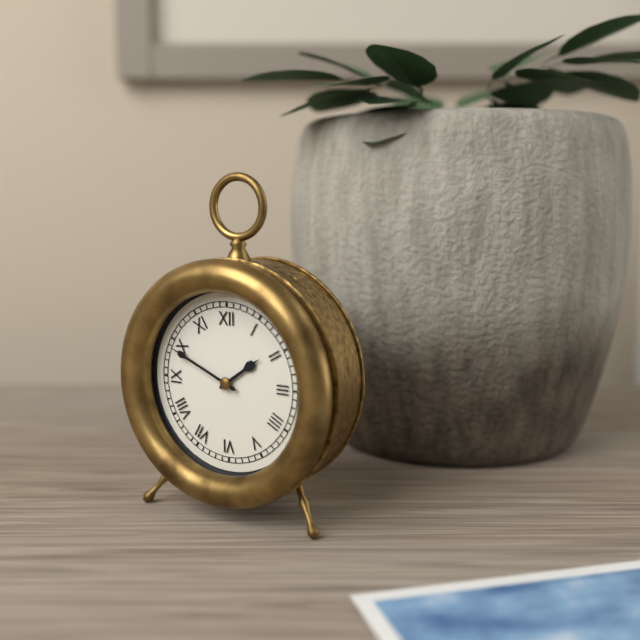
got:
1:49
